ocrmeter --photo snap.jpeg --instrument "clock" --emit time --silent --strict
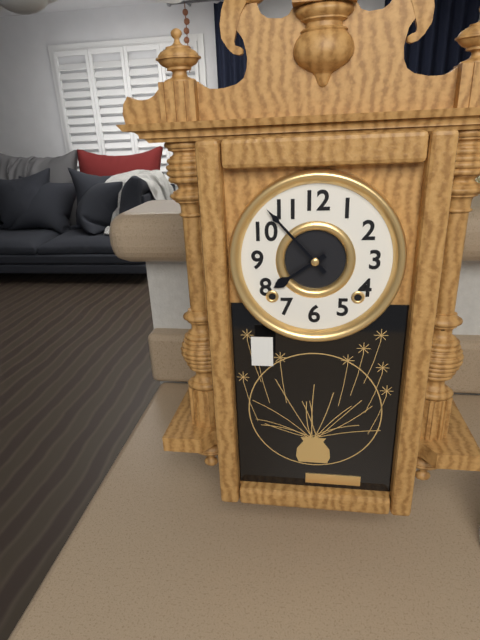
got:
7:53
